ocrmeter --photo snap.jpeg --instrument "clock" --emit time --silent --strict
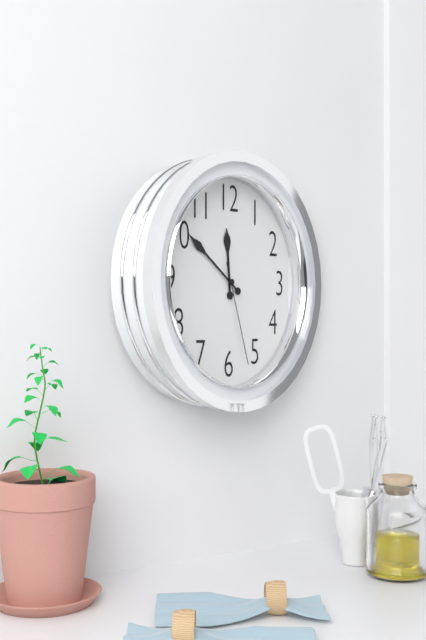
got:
11:51:27
